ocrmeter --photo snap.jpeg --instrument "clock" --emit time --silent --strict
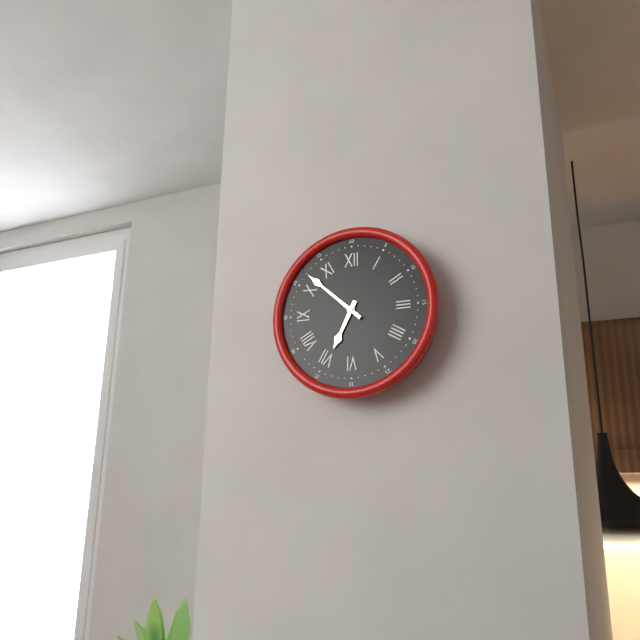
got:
6:52
